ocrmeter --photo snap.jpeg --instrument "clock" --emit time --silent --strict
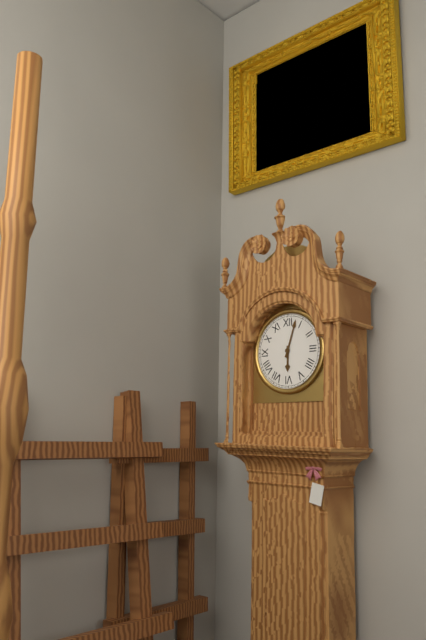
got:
6:03
